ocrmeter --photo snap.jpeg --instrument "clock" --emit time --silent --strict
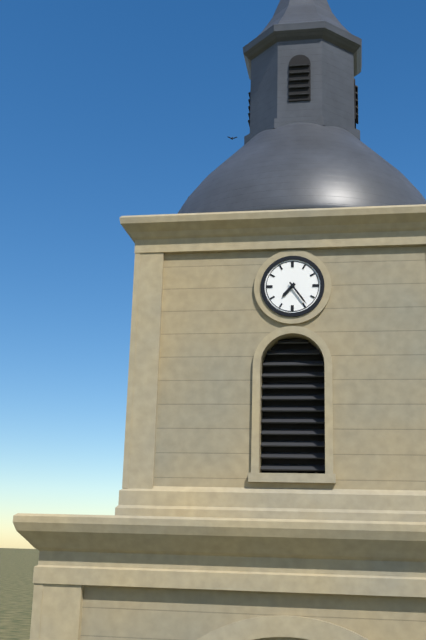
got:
7:24
